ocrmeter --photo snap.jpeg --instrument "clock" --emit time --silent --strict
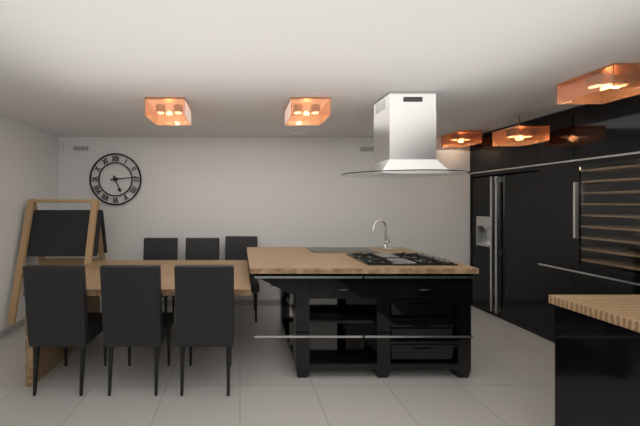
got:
5:14
